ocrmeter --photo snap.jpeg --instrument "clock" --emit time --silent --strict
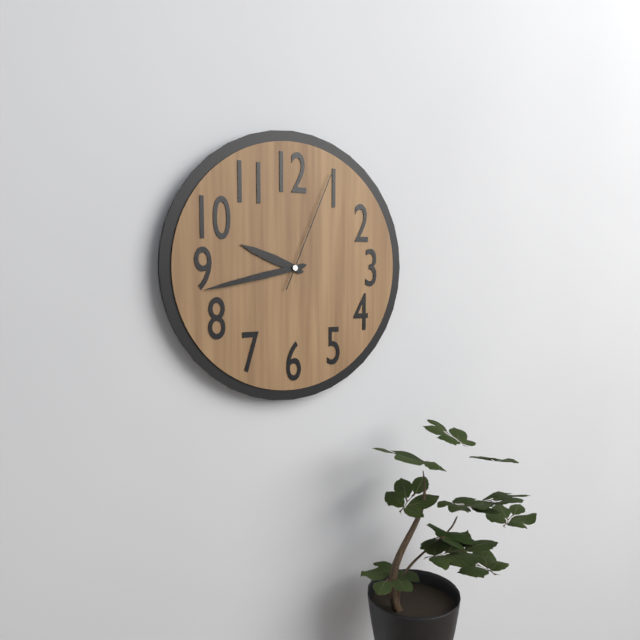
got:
9:43:04
